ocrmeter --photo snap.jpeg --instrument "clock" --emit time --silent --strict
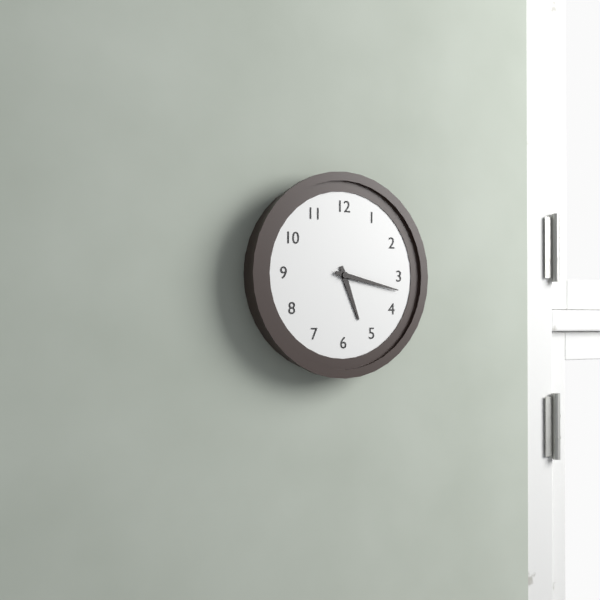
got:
5:17
